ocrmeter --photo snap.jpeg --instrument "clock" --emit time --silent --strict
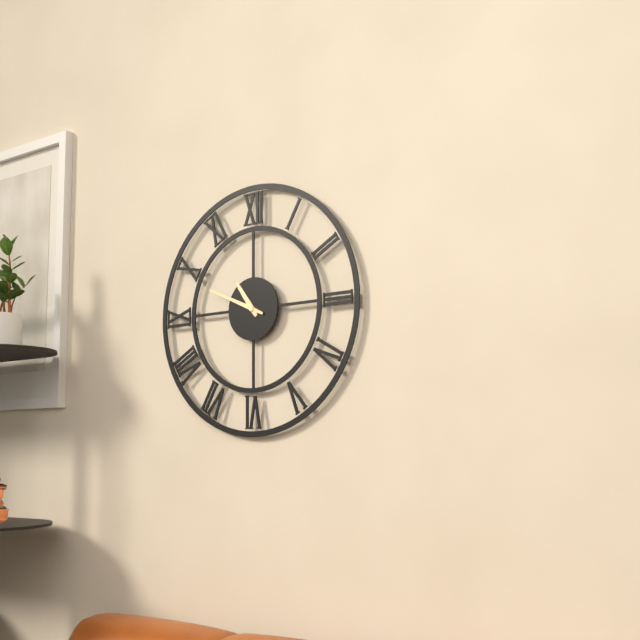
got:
10:49
